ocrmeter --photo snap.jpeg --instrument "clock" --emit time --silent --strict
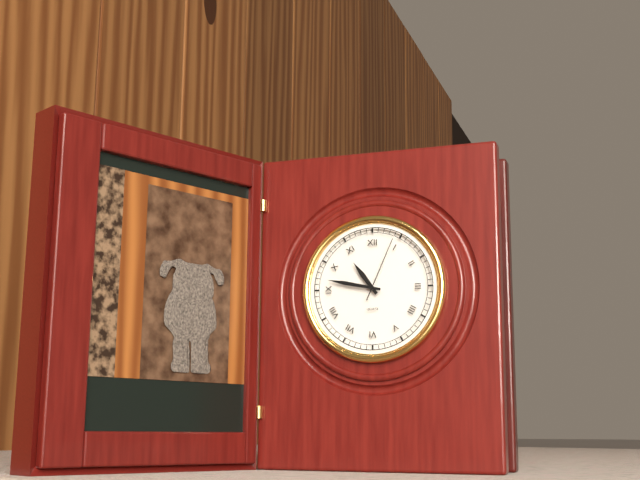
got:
10:47:04
